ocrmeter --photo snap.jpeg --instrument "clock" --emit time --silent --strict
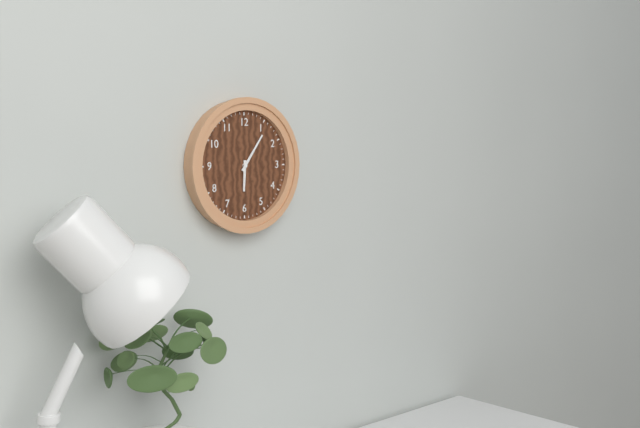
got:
6:06
